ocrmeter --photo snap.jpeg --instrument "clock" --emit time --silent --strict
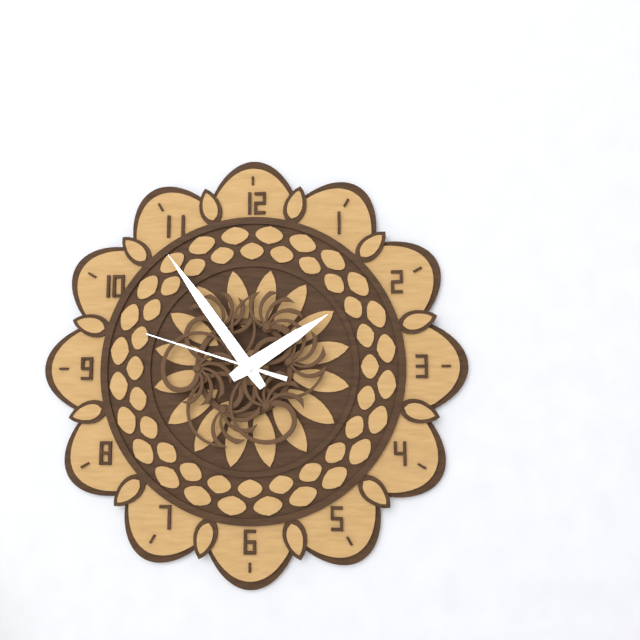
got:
1:54:48
